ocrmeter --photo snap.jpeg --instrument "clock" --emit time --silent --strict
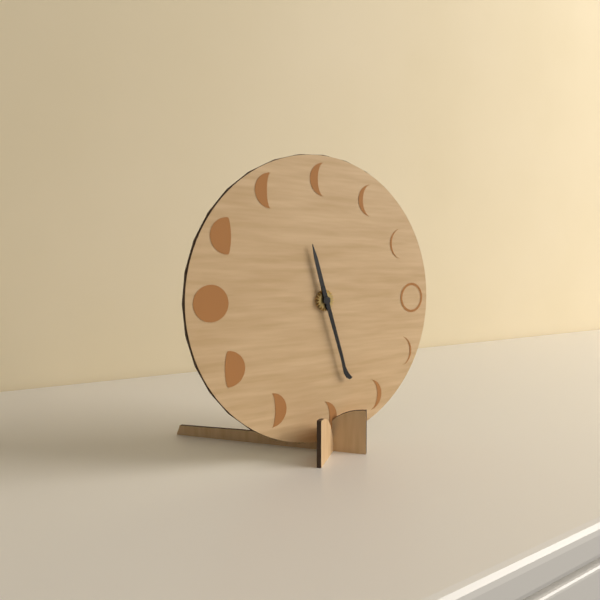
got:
11:27
